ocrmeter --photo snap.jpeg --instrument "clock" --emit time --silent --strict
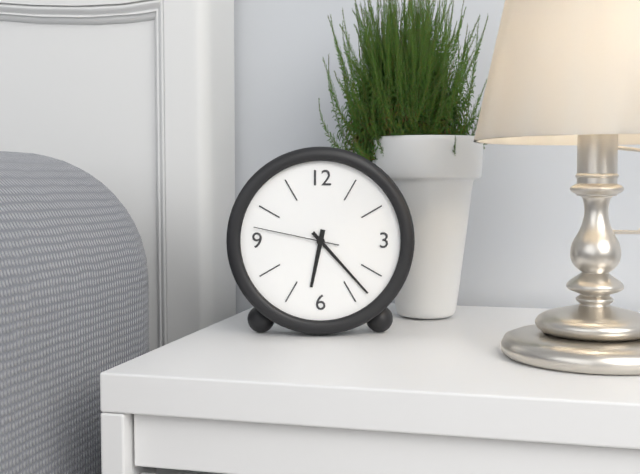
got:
6:23:47
